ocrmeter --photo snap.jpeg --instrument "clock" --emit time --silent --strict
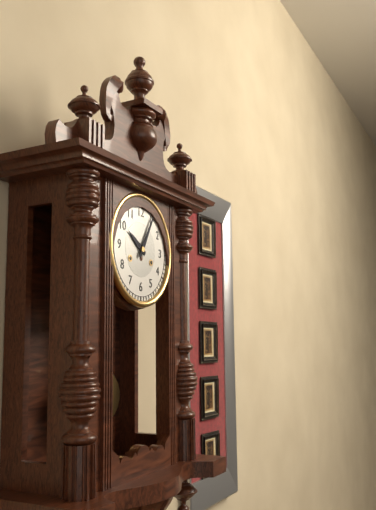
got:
10:05
